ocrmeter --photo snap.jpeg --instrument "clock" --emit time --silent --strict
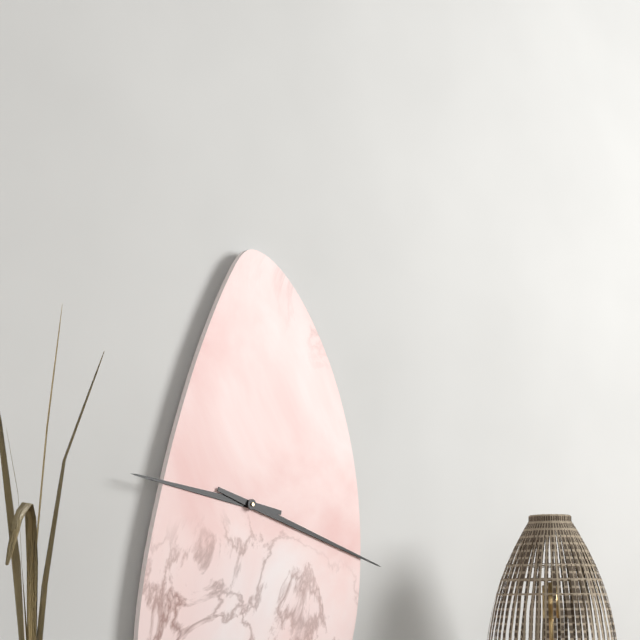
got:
9:18
